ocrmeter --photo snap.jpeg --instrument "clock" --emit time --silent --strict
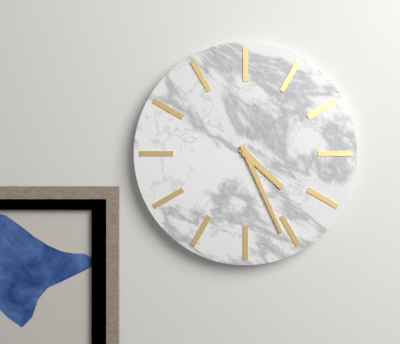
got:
4:26
